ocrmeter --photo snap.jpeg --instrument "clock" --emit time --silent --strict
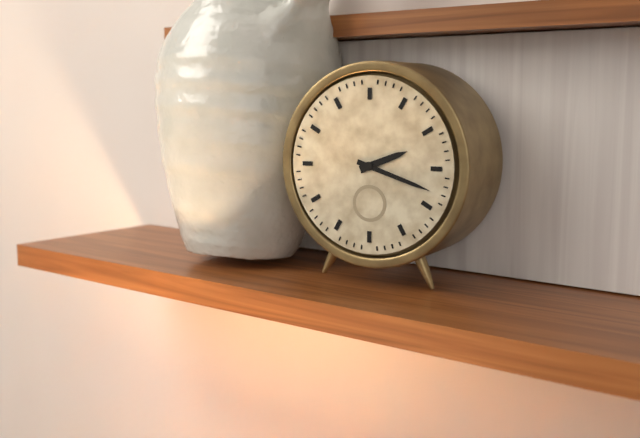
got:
2:18
